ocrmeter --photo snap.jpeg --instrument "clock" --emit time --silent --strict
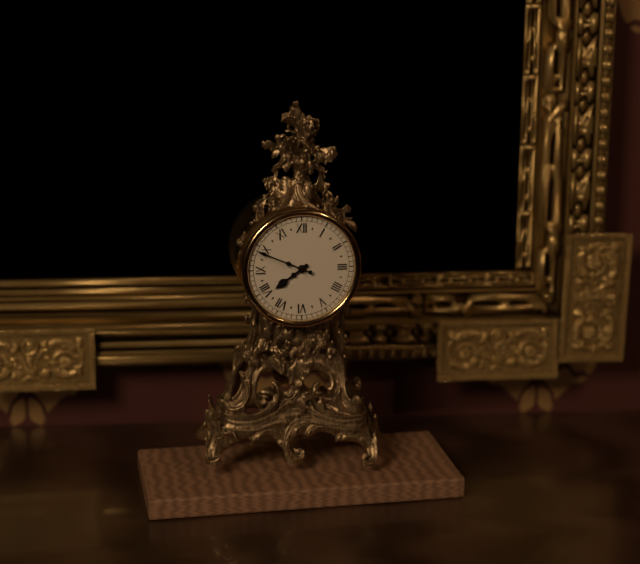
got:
7:49
